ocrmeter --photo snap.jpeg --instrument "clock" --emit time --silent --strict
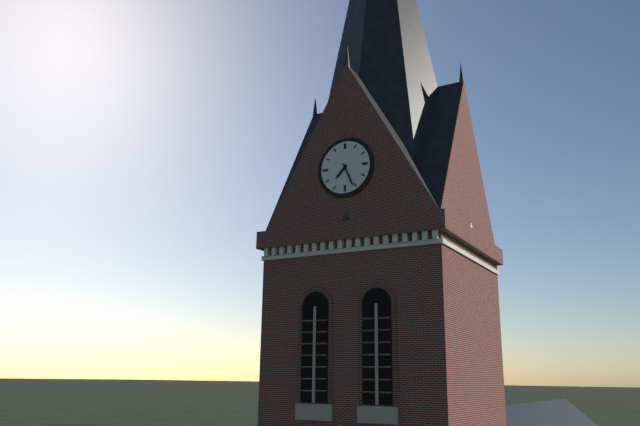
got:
7:26
